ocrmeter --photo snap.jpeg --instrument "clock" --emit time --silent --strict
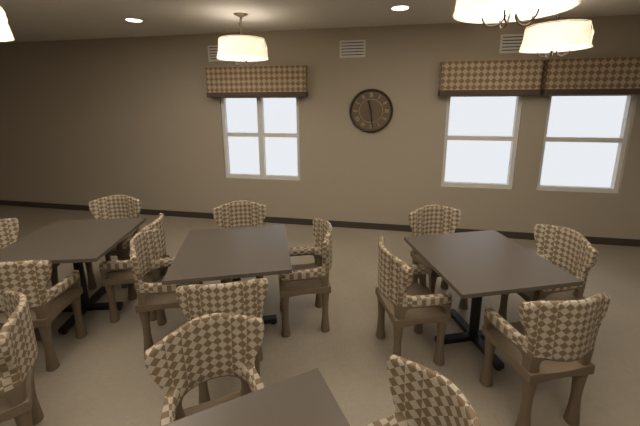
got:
11:29
